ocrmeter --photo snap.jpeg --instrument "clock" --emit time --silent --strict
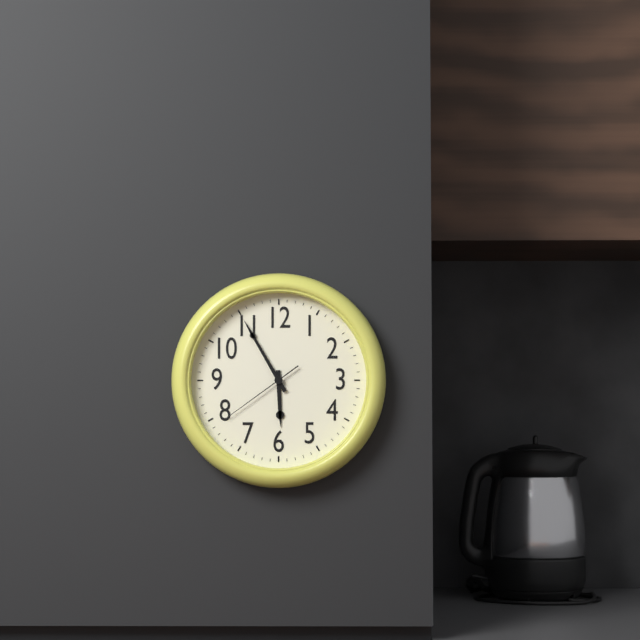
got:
5:55:39
